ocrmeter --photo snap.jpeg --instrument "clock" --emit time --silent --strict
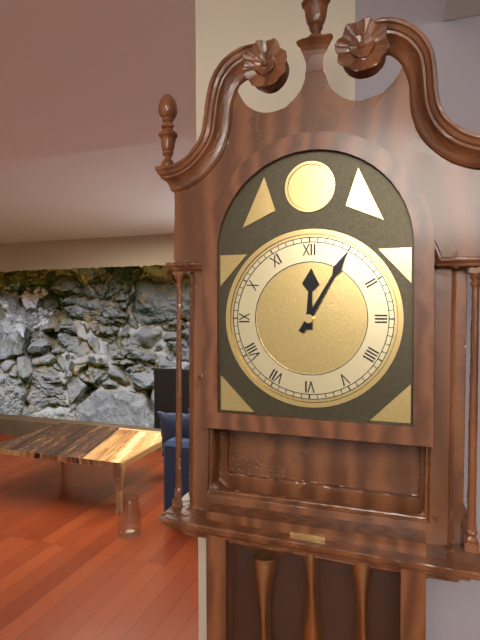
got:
12:05
